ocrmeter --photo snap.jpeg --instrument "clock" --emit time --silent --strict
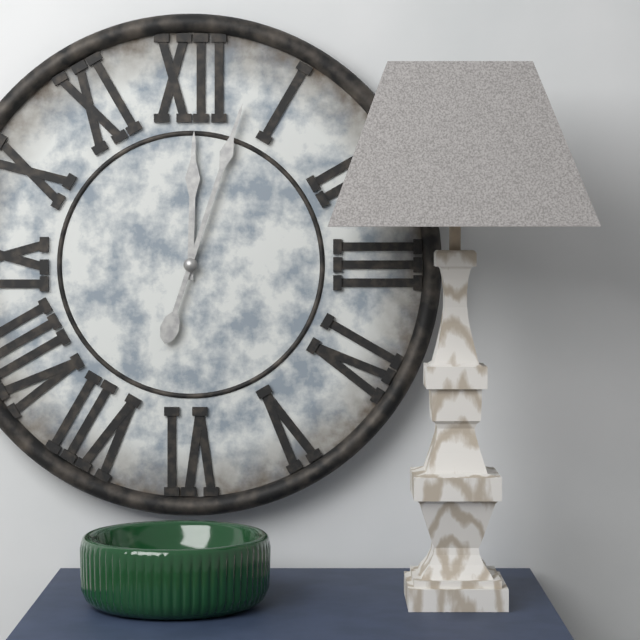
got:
12:03
